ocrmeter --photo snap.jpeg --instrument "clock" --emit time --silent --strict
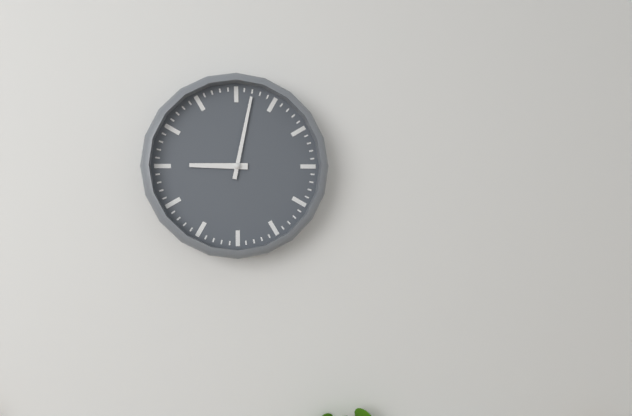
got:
9:02
